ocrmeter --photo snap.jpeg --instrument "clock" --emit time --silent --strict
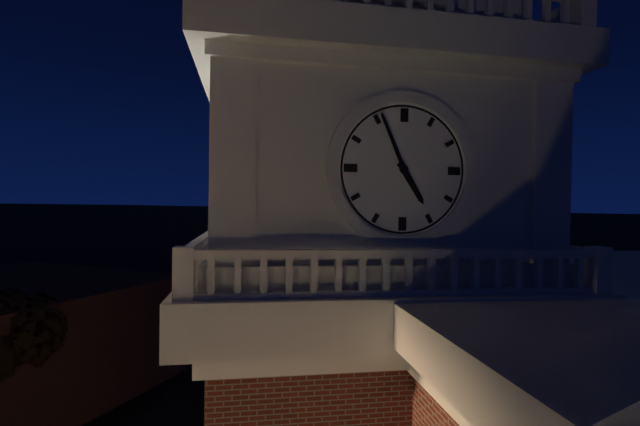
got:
4:56
